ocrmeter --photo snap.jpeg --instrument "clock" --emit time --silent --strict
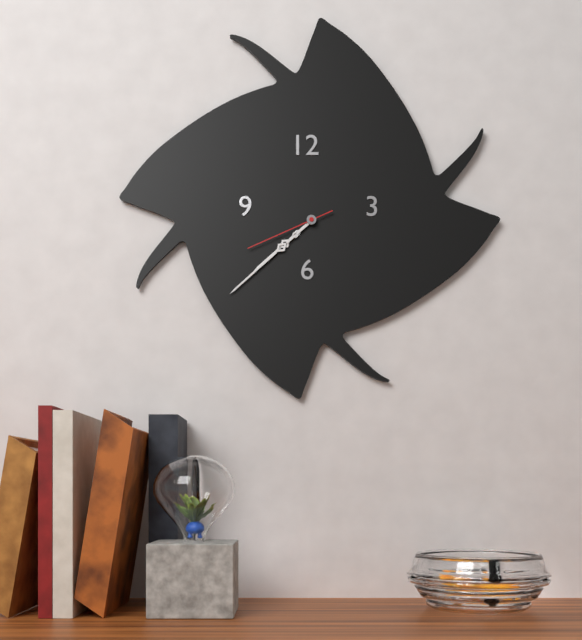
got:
7:38:41
